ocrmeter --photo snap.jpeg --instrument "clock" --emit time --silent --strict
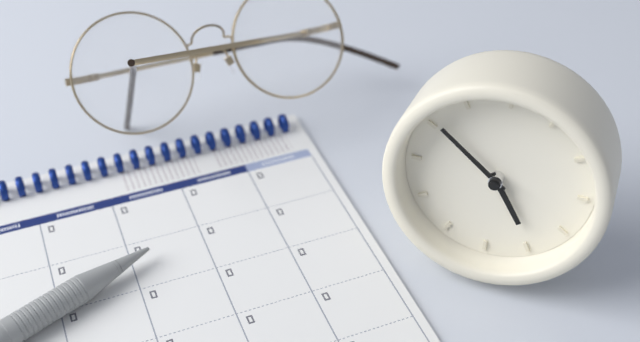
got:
4:51
